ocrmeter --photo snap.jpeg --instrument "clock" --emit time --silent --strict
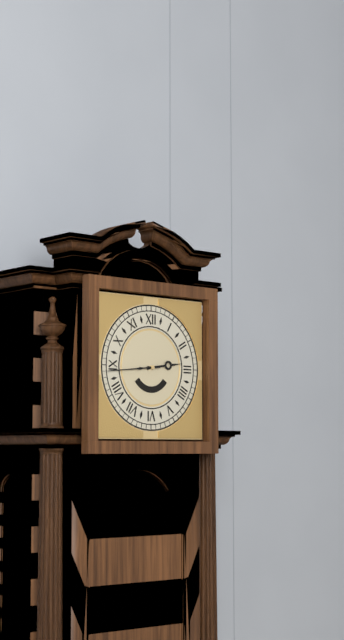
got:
2:44
